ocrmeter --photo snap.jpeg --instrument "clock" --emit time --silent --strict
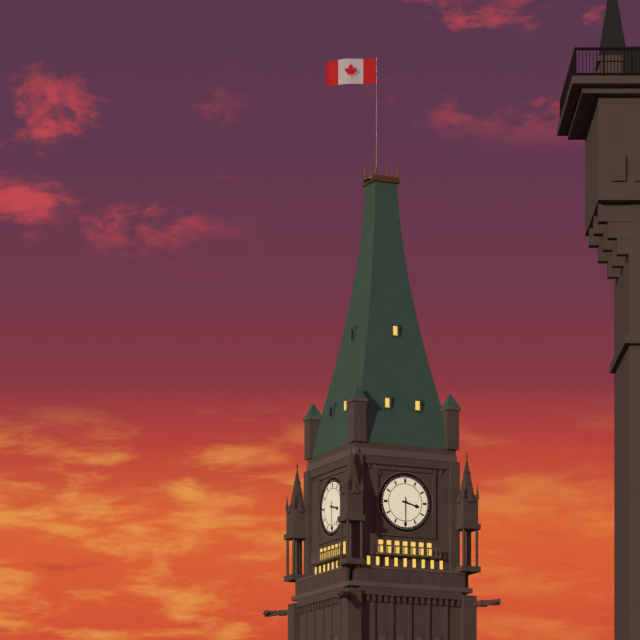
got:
3:30
